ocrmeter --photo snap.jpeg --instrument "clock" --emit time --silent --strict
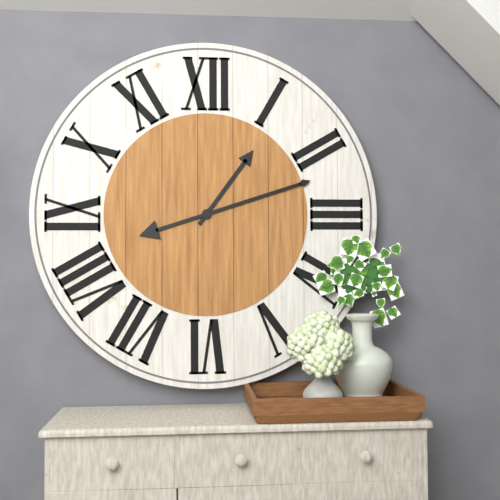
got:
1:12
